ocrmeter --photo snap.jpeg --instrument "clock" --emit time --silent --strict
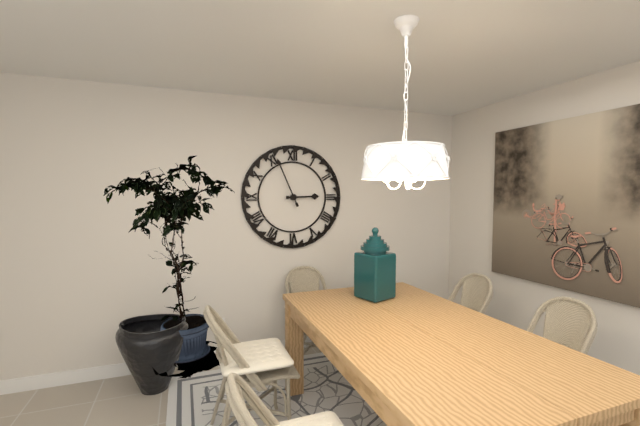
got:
2:56
